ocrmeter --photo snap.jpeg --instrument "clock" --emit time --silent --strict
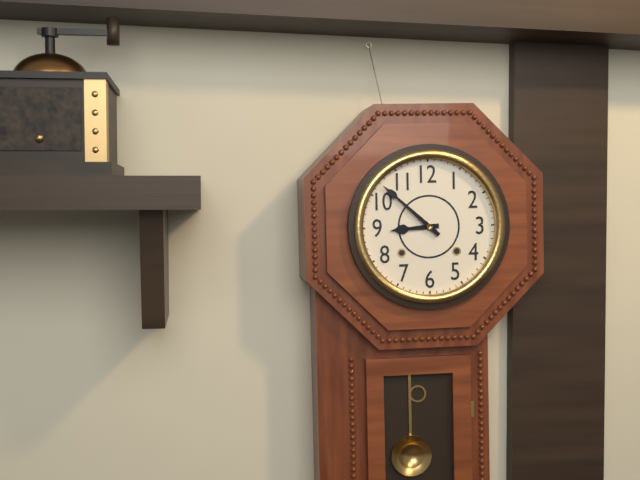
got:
8:52
